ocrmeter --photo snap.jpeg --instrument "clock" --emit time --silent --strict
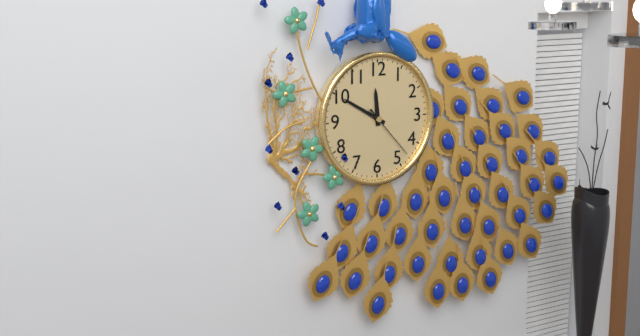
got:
11:50:23
